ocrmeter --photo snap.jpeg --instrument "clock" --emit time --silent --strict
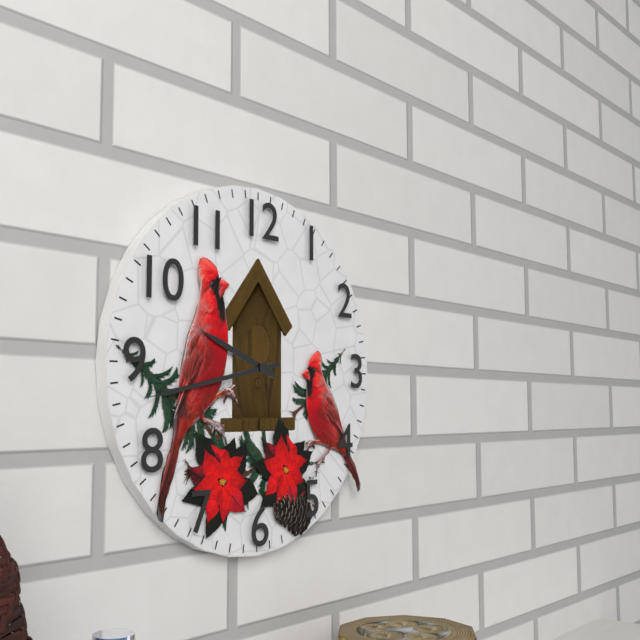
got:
9:43
